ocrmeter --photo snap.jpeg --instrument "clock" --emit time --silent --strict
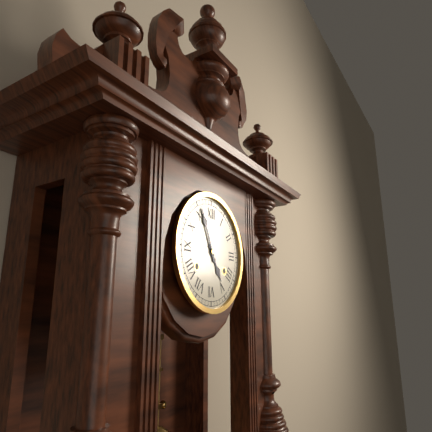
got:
4:56
